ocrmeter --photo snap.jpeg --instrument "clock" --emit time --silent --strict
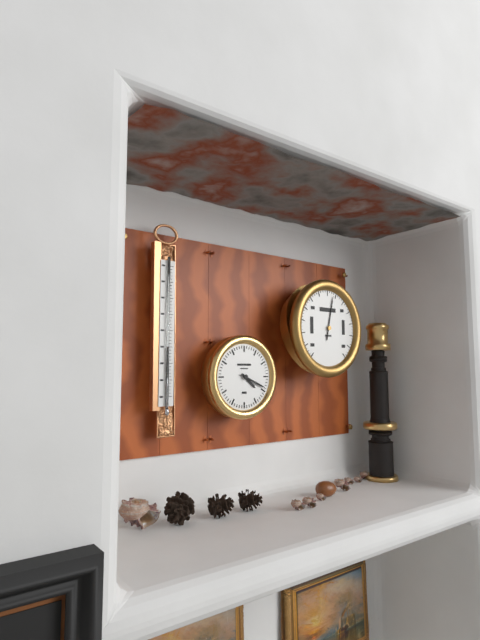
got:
4:19
